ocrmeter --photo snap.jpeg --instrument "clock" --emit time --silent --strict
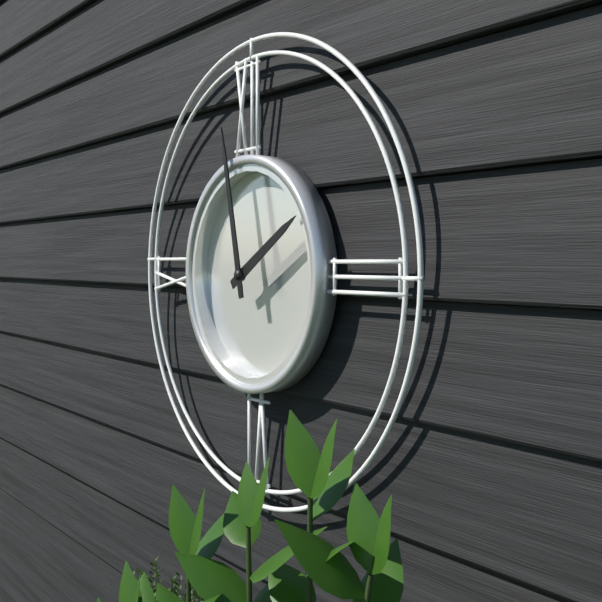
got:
1:58
